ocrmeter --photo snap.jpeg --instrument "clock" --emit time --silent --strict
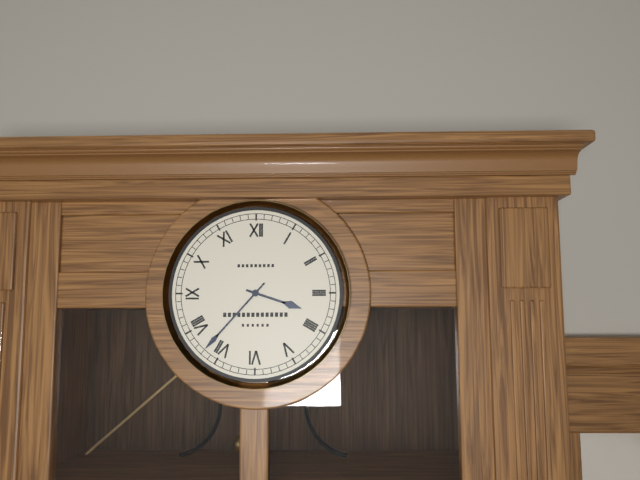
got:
3:37
